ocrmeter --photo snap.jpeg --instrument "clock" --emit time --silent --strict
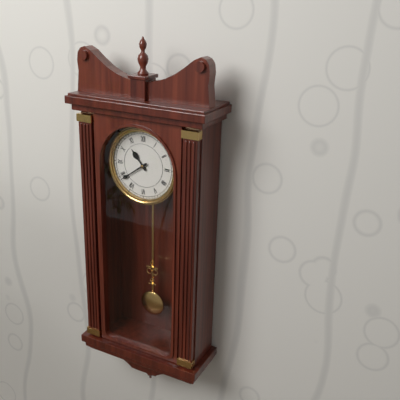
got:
10:39
